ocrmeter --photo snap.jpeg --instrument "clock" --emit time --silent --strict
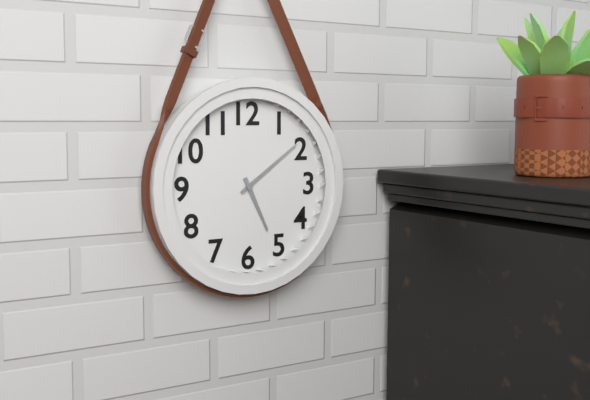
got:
5:09
